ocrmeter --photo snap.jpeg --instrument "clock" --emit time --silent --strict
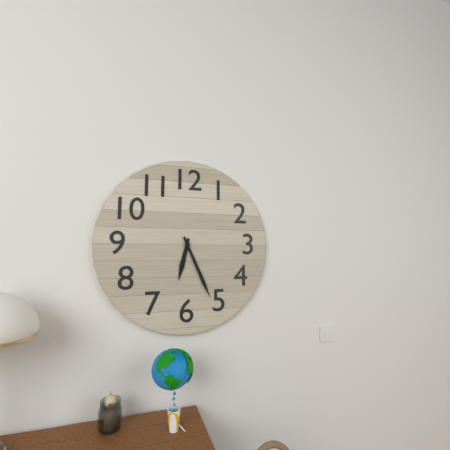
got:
6:26
